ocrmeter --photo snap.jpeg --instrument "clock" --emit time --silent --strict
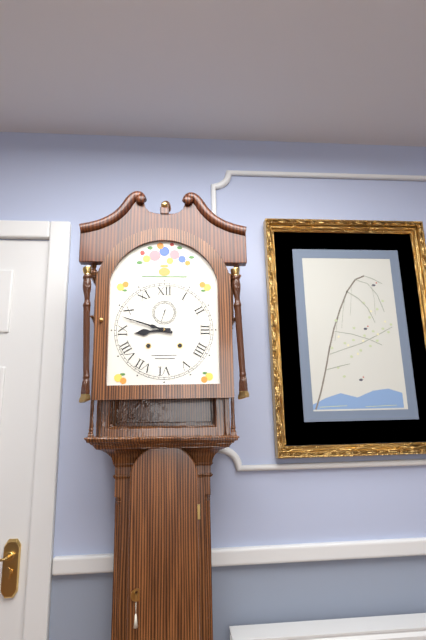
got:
8:48
